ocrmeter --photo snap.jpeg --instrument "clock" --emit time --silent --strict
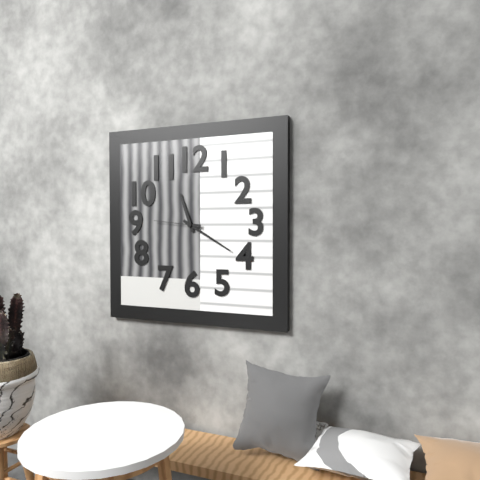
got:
11:20
